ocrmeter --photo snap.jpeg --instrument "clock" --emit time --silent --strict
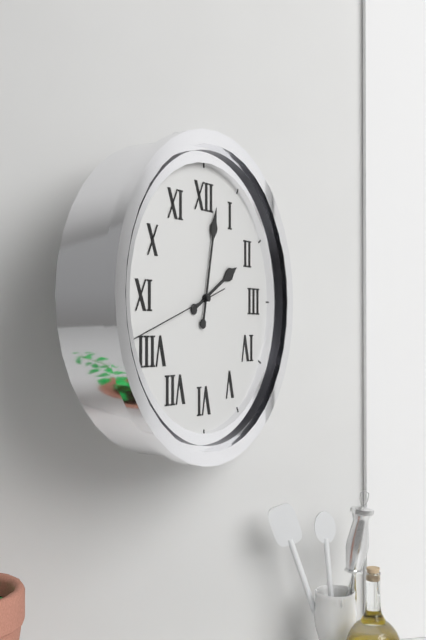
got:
2:02:42
